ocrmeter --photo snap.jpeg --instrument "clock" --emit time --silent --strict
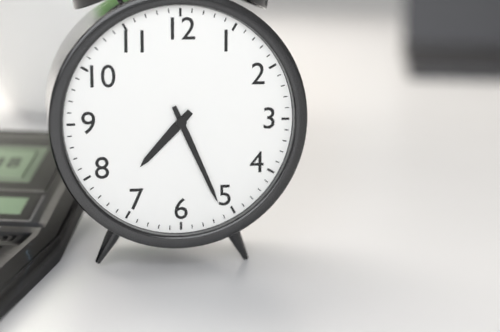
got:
7:26
